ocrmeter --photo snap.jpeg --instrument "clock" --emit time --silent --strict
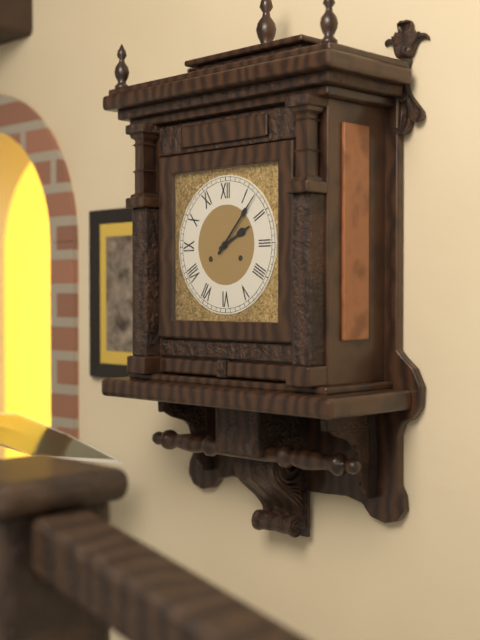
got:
2:07
